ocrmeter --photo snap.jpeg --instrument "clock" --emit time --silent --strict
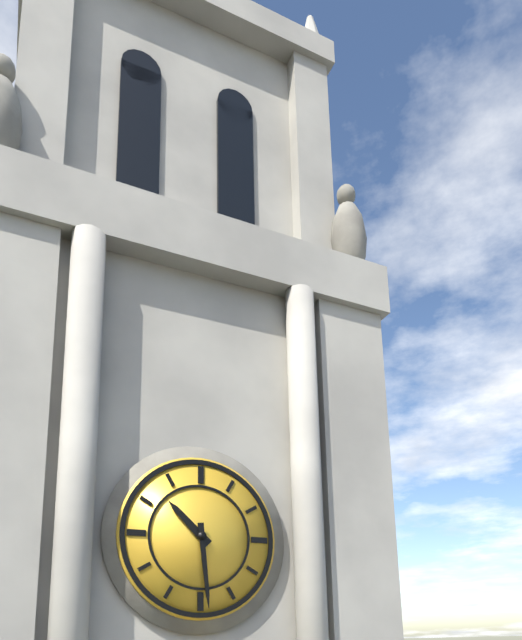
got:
10:29
